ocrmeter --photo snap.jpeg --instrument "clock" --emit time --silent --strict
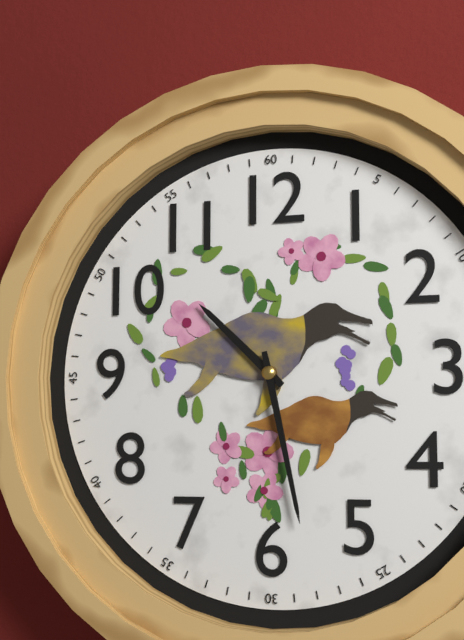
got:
10:28
